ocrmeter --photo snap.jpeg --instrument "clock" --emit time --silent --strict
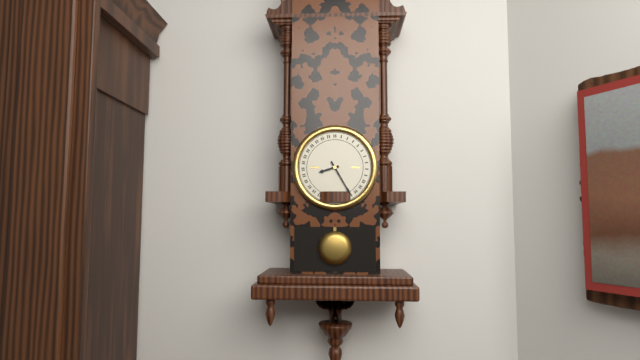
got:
8:25
